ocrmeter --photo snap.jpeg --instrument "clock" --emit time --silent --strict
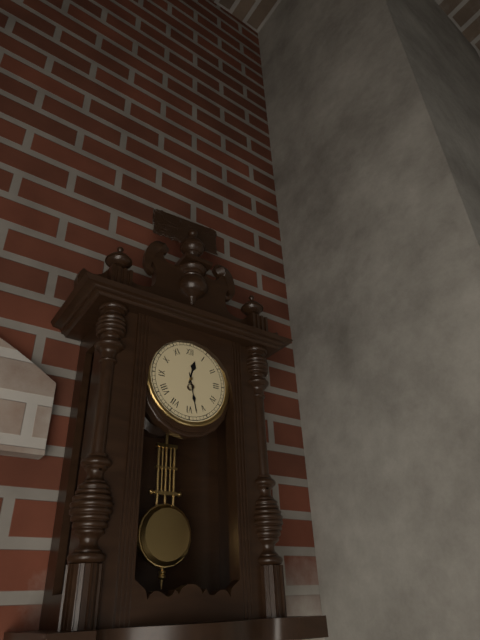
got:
12:28
